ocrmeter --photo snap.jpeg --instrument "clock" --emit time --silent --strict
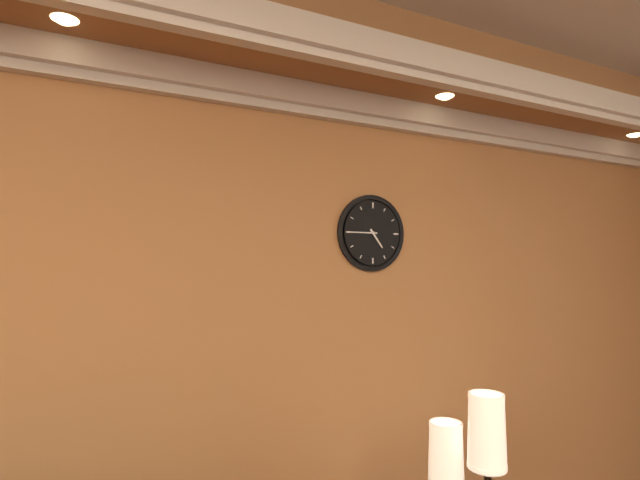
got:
4:45
